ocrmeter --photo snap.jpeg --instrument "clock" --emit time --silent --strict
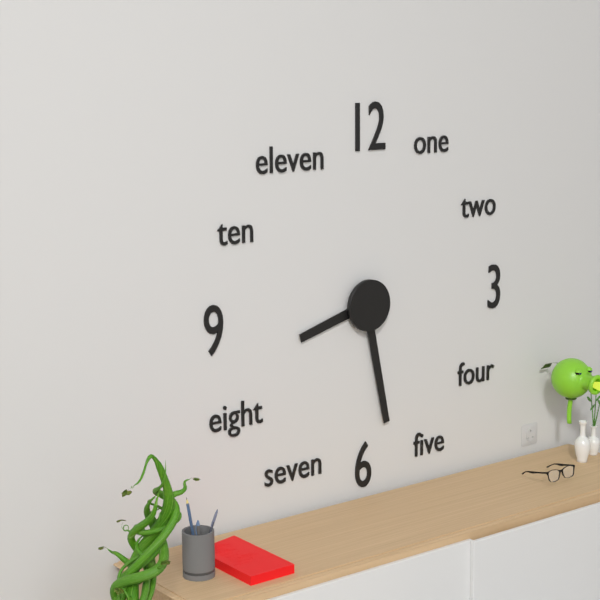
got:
8:28
